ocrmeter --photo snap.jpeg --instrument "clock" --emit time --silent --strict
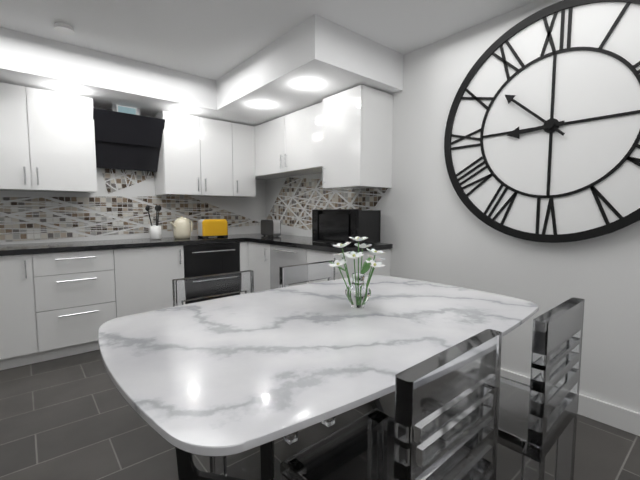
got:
8:52
